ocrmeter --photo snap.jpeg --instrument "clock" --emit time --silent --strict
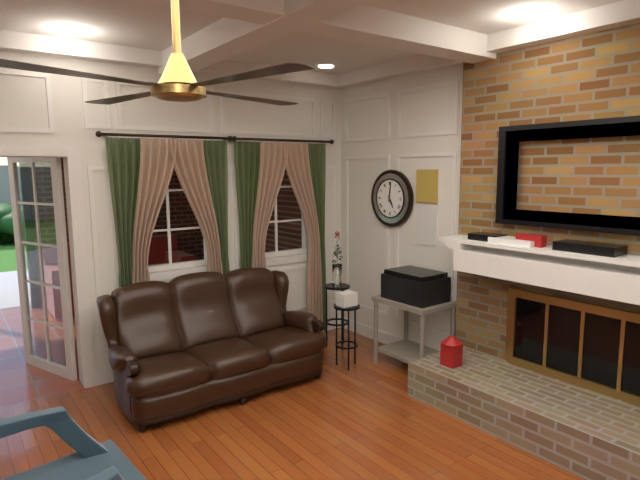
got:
5:01
